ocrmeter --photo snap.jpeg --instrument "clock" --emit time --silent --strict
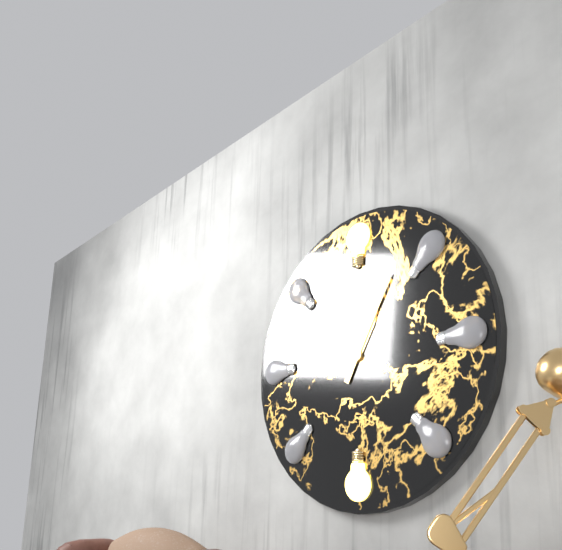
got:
1:05
